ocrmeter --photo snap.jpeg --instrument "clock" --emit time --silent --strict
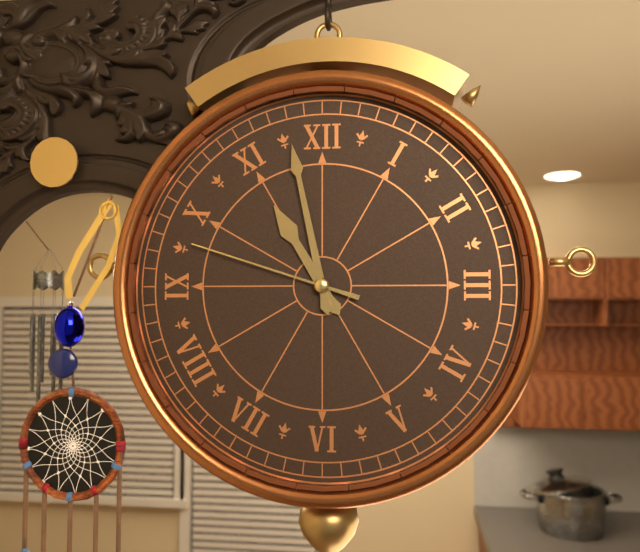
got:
10:58:48
